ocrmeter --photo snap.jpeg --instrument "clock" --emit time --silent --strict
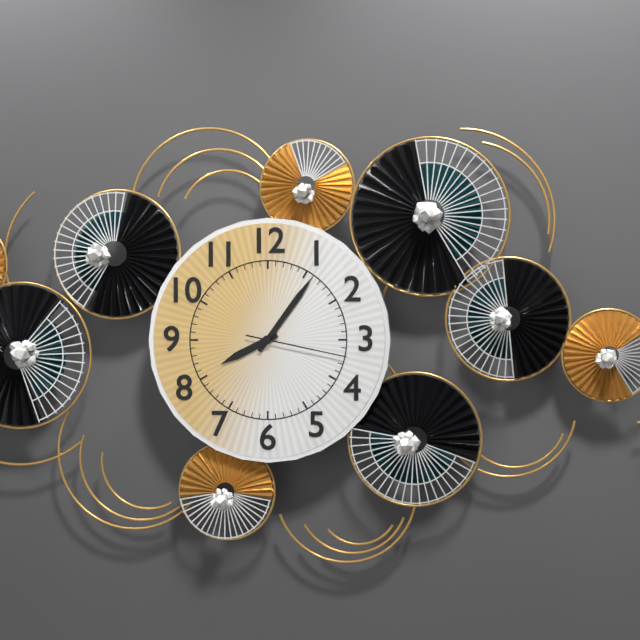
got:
8:06:17
